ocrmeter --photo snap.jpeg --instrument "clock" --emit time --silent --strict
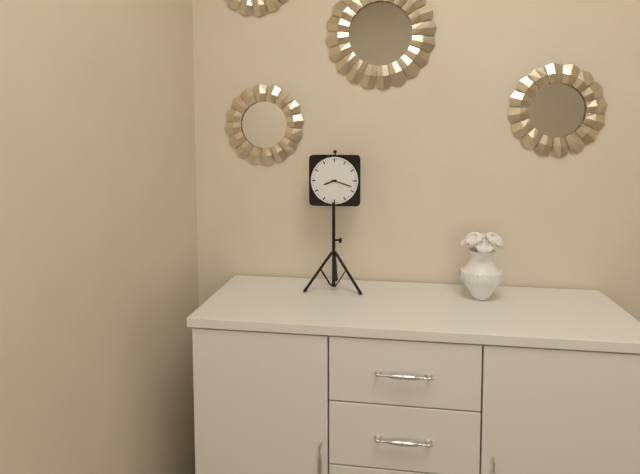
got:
8:18
